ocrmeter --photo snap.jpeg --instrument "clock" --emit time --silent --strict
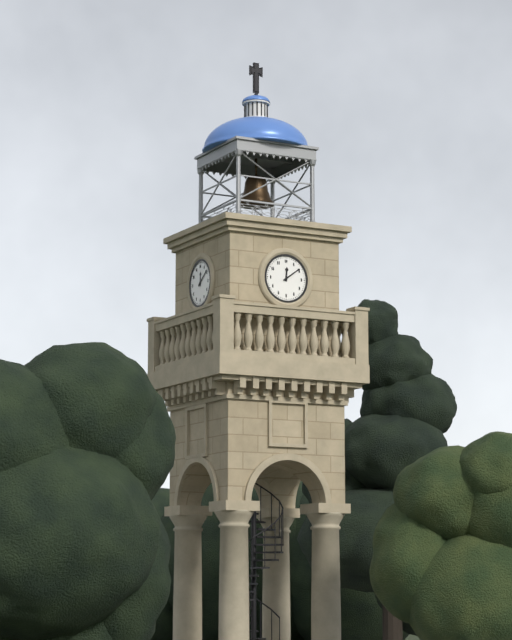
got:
12:09
